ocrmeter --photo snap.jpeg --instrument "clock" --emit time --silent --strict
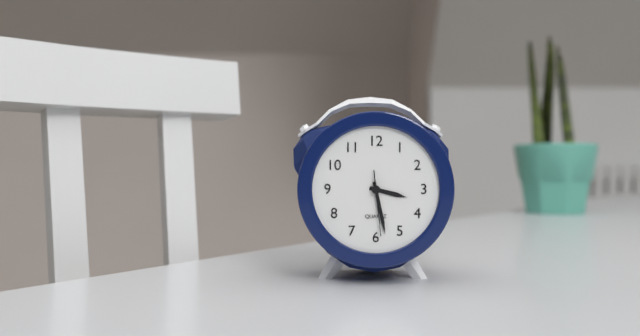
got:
3:28:29
